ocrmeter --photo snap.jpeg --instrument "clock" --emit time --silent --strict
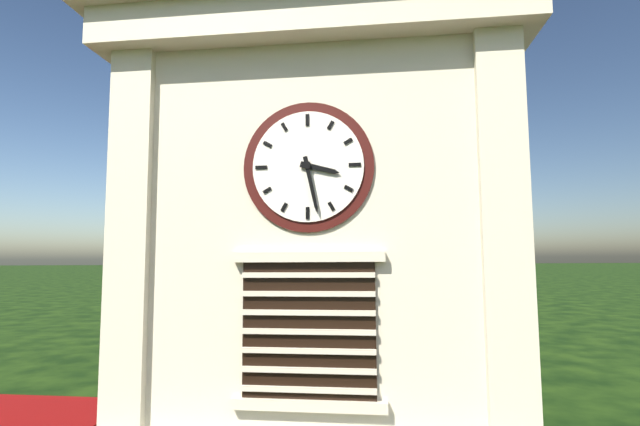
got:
3:28
